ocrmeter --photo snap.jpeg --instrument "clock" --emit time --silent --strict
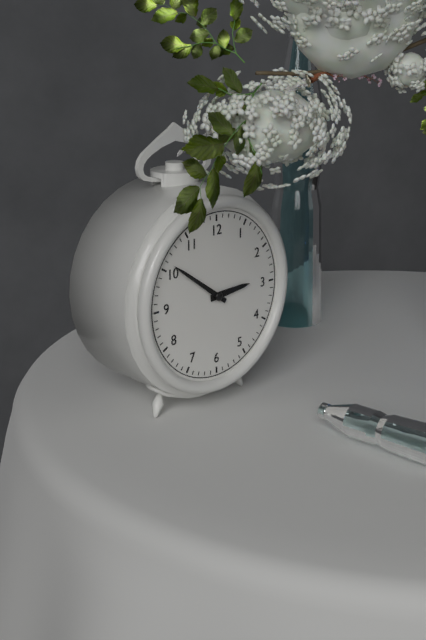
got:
2:51
